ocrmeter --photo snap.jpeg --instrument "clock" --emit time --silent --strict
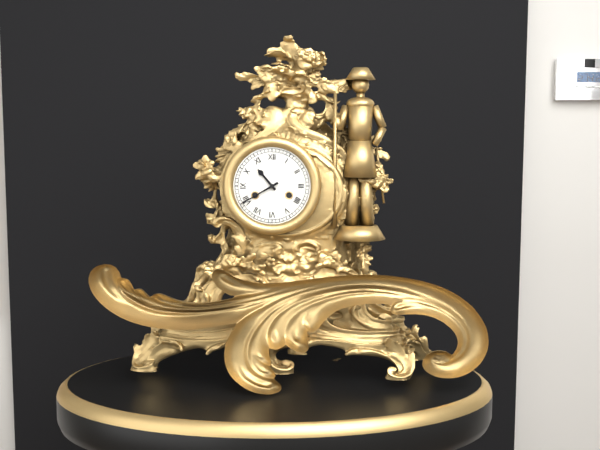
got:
10:40
